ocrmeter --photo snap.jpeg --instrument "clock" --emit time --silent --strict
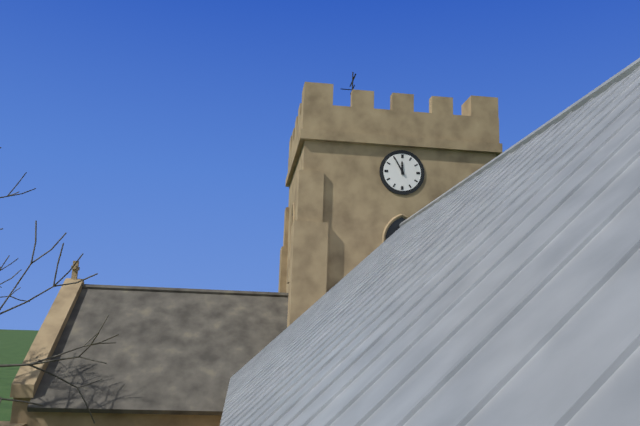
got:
11:55
